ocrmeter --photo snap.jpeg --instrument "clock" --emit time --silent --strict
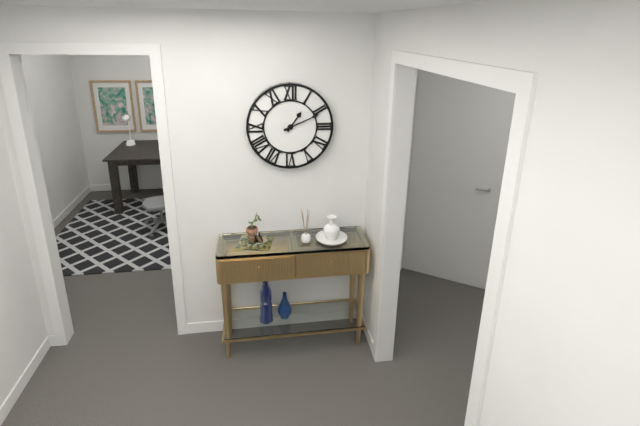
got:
1:11
